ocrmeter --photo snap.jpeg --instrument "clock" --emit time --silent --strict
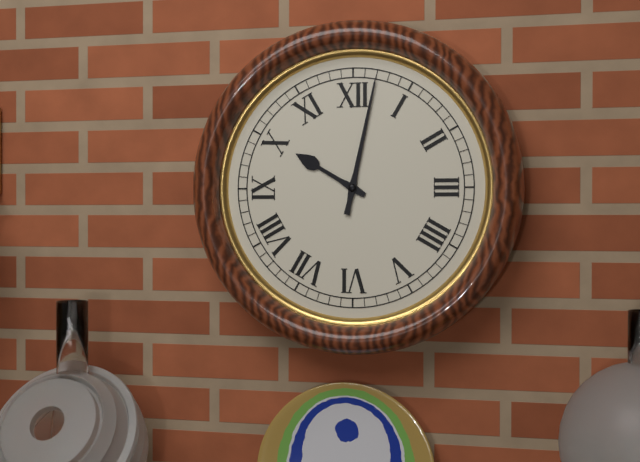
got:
10:02
